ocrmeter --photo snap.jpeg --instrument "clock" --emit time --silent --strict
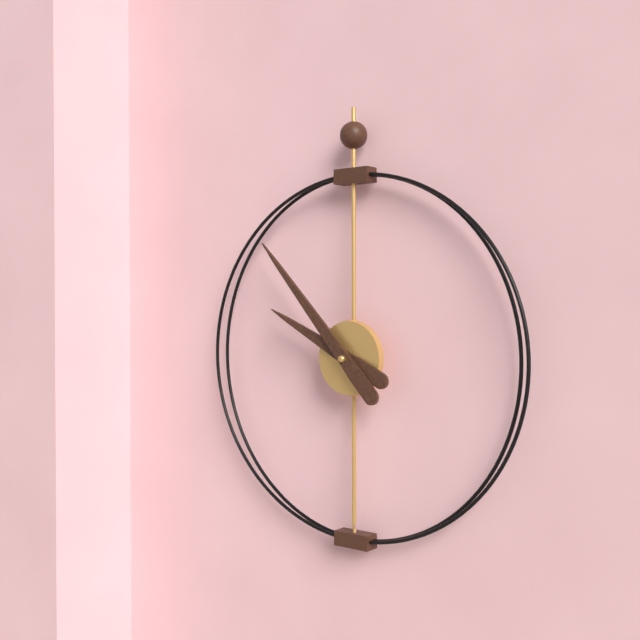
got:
9:53
